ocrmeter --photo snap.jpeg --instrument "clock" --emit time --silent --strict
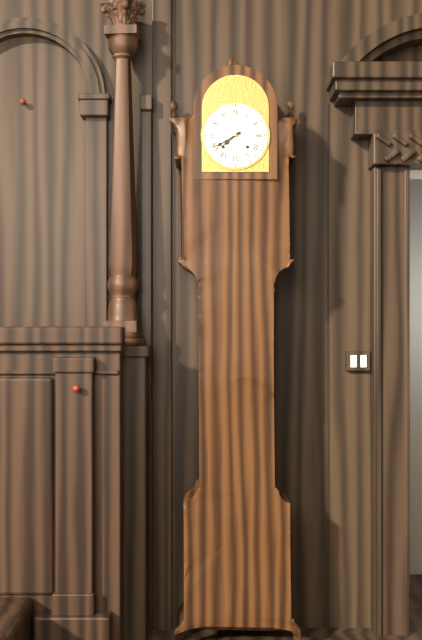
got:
7:40
